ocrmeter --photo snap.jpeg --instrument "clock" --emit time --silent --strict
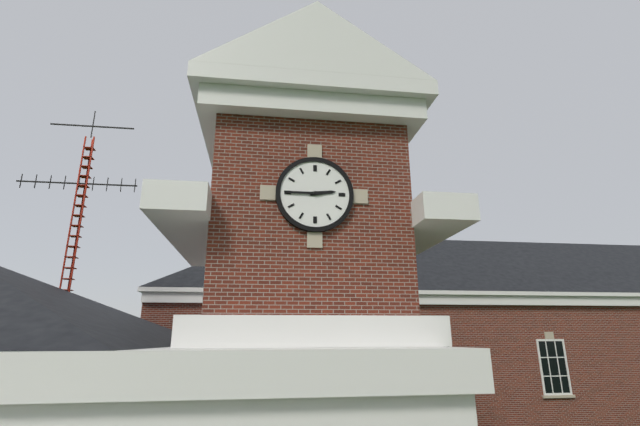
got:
2:45
